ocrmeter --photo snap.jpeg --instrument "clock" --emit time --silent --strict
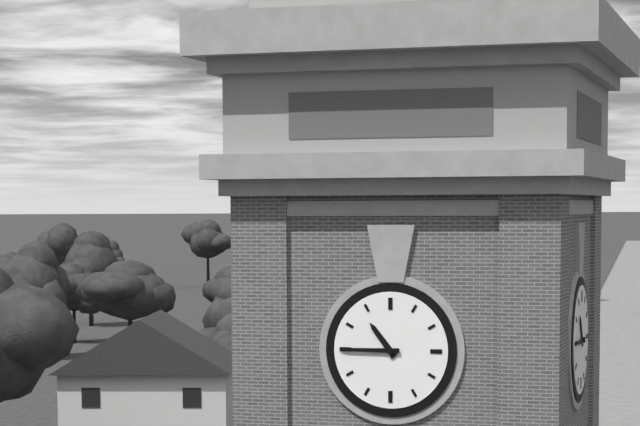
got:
10:45
